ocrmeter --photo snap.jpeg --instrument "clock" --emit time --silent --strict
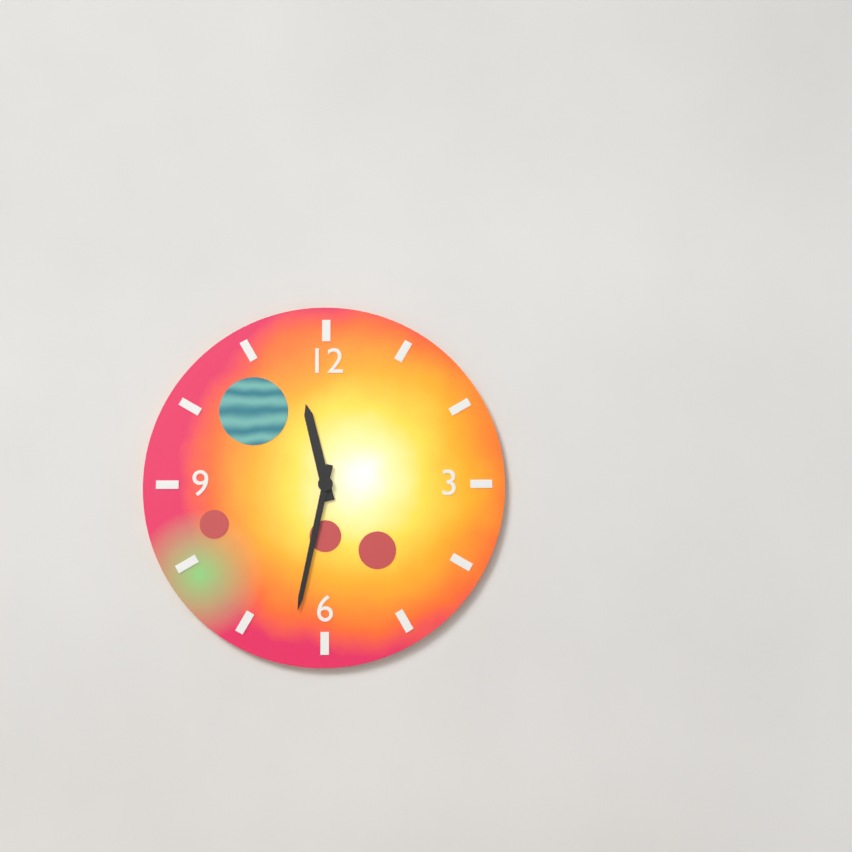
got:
11:32
